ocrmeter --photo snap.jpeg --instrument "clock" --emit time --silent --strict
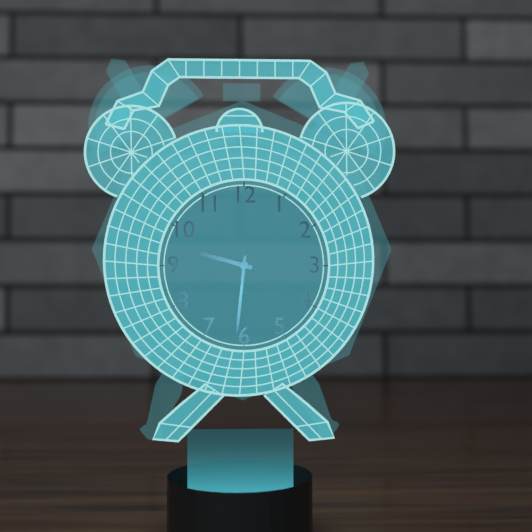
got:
9:31
